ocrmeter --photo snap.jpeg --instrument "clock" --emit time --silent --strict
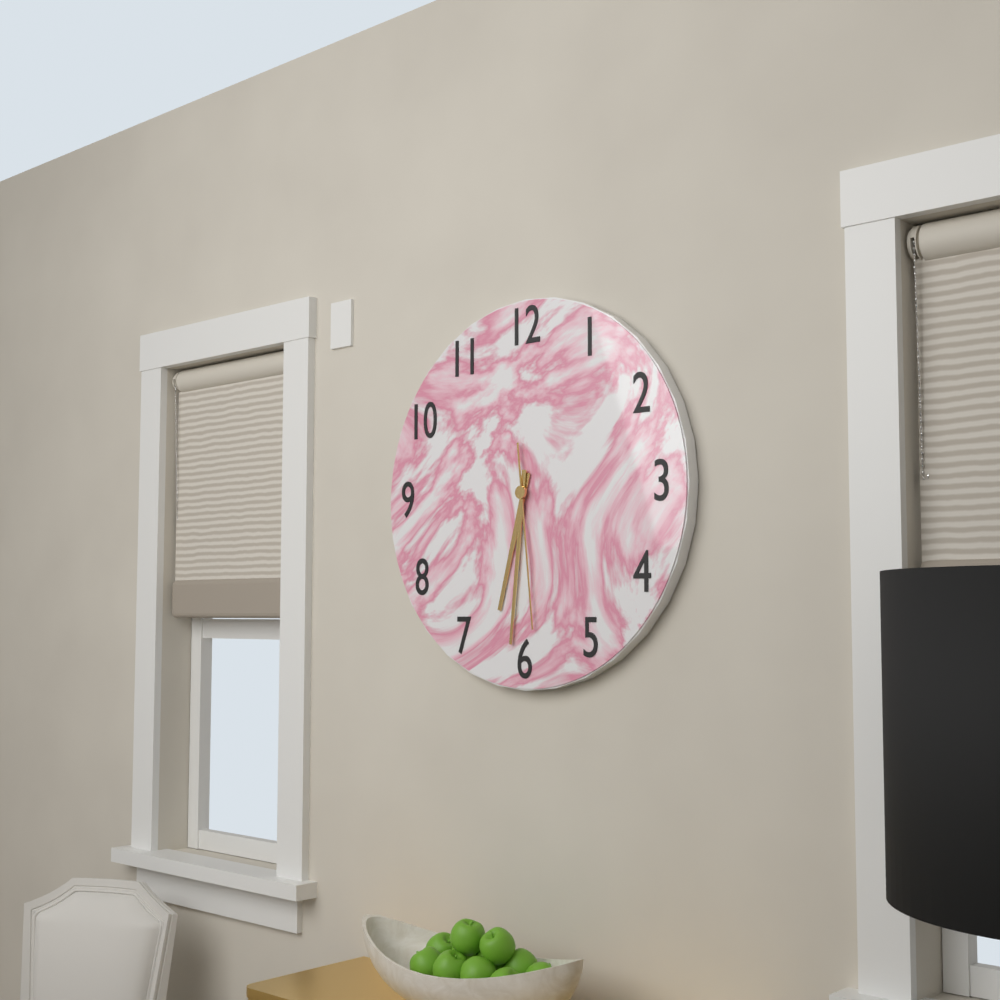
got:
6:31:29
